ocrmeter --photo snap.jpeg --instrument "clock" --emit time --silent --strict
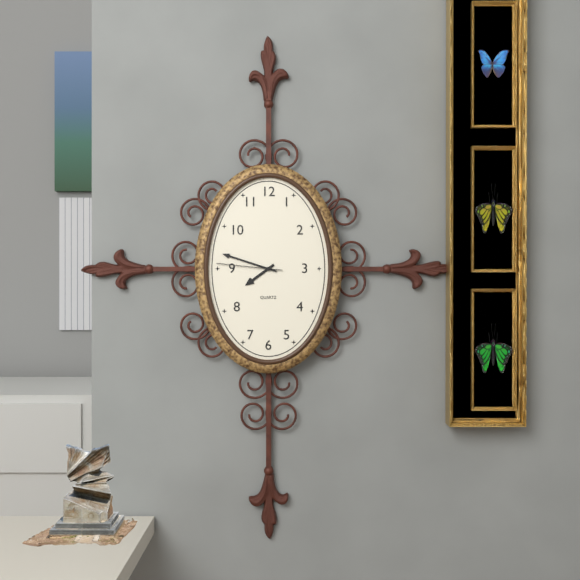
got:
7:48:46
